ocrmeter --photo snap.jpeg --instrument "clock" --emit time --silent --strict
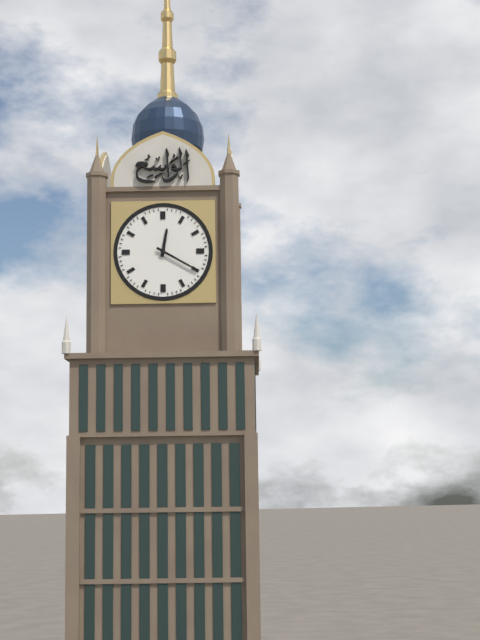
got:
12:20
